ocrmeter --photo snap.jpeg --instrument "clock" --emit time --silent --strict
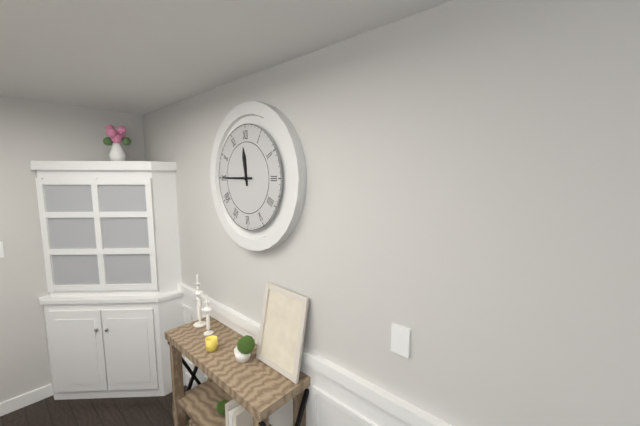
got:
11:45
